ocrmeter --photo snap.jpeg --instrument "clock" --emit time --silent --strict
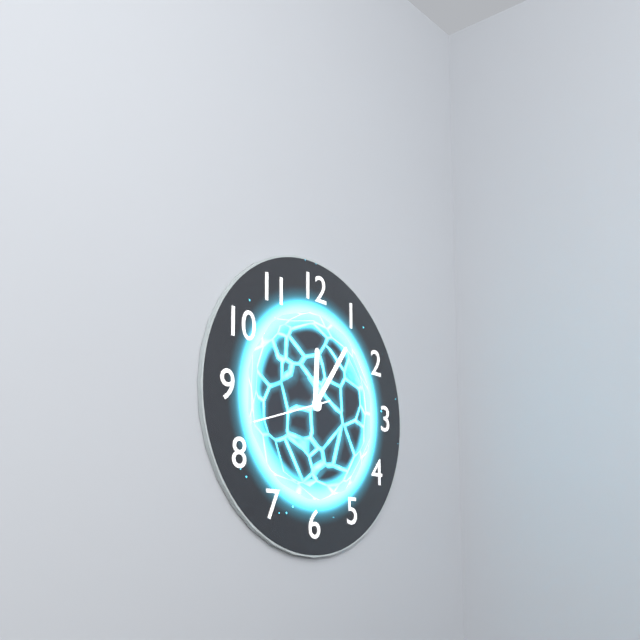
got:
12:06:42
